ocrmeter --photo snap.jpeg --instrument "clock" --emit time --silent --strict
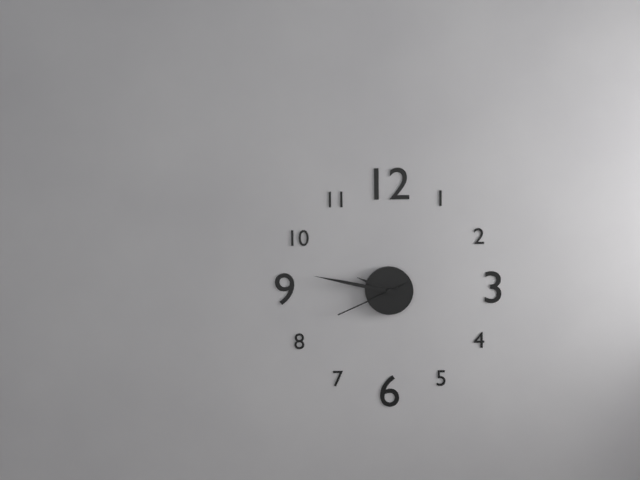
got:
9:47:41
